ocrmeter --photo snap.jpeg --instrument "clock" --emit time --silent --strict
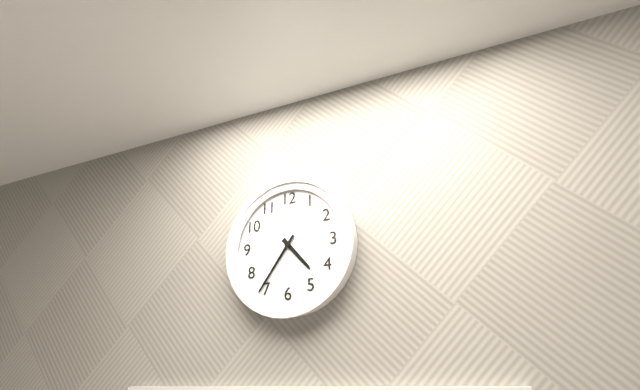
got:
4:36
